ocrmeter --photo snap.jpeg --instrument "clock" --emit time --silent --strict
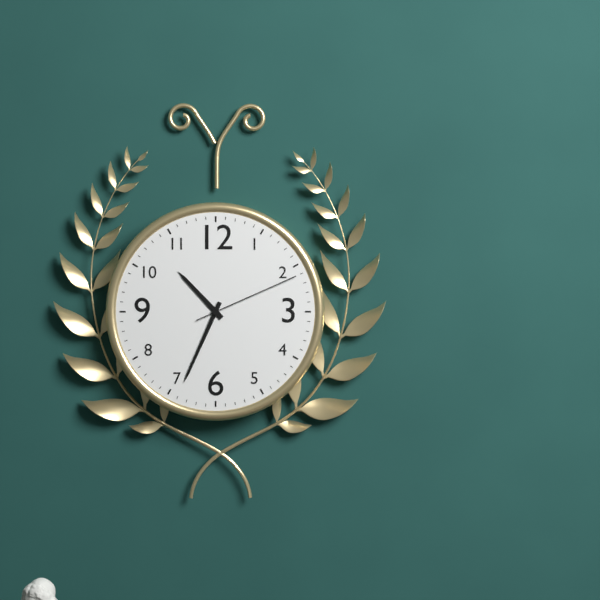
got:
10:34:11
